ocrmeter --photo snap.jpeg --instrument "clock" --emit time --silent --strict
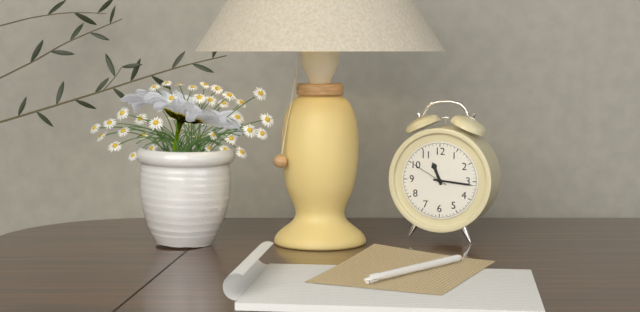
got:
11:16
